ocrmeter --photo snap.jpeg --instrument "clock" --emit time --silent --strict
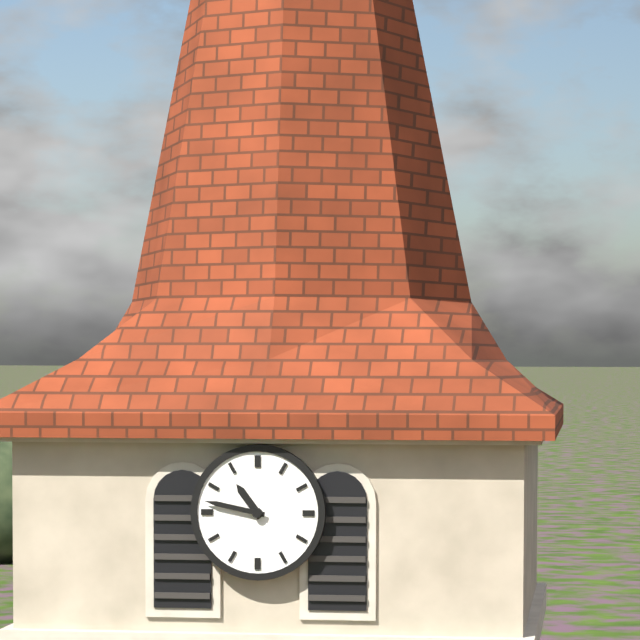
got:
10:47
